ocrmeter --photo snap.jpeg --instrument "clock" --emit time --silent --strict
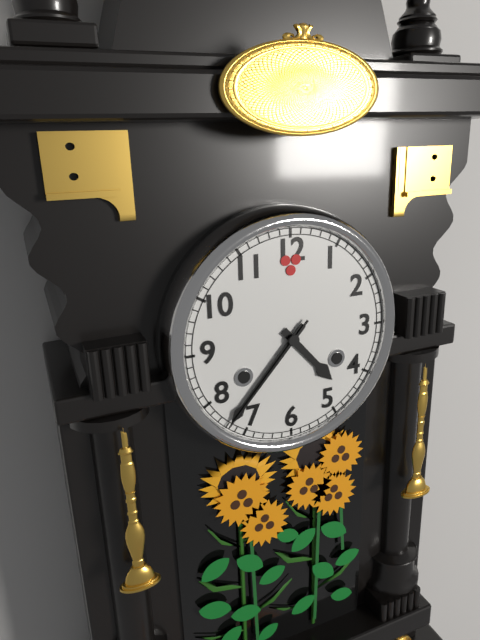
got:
4:37:37
